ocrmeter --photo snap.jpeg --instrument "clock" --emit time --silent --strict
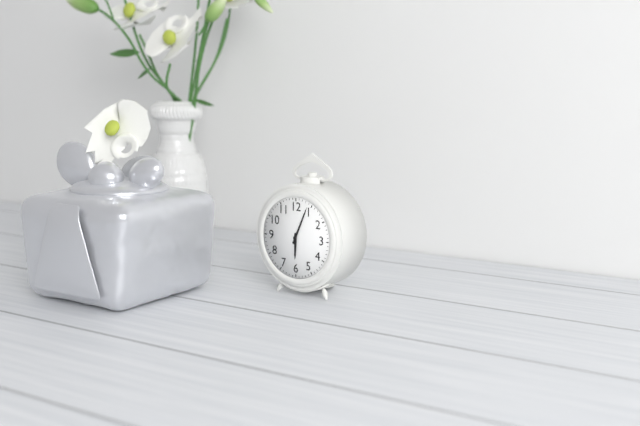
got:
6:04
